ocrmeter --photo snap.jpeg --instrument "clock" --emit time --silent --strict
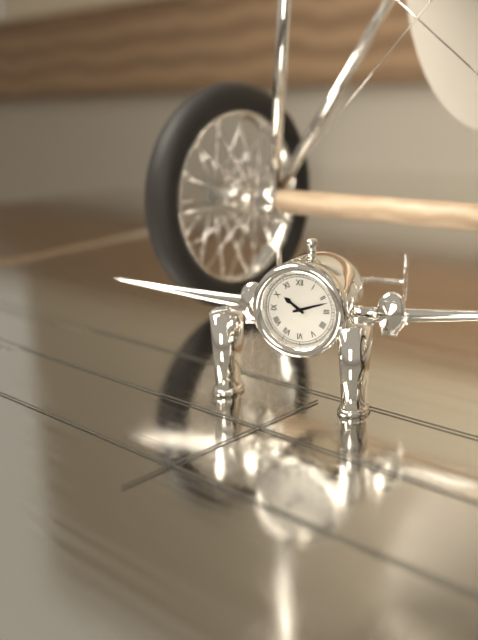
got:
10:12
